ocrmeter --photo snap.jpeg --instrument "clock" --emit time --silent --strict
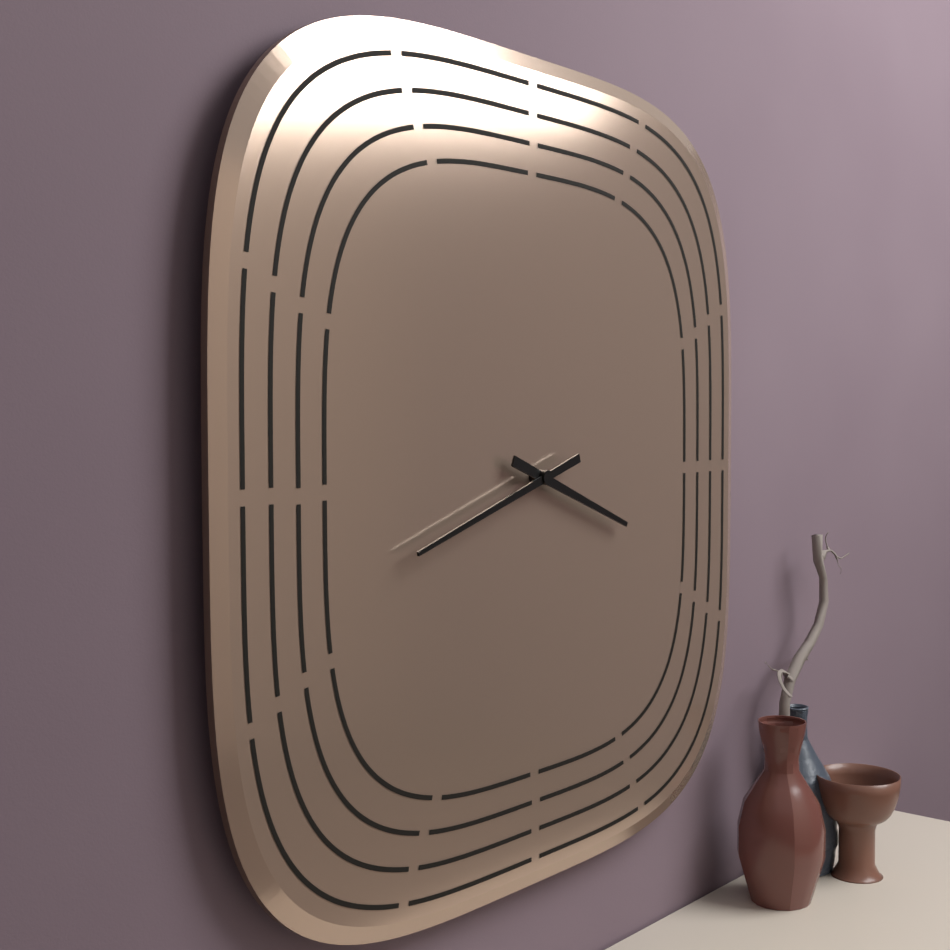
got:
3:42
